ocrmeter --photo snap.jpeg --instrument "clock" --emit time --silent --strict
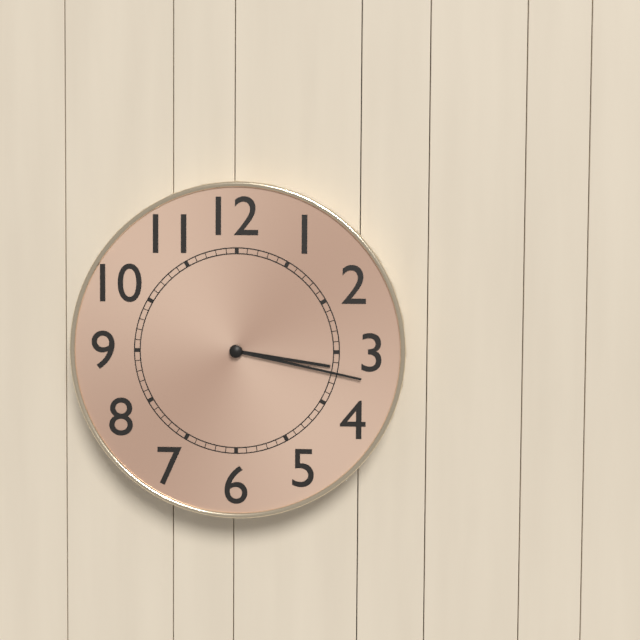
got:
3:17
